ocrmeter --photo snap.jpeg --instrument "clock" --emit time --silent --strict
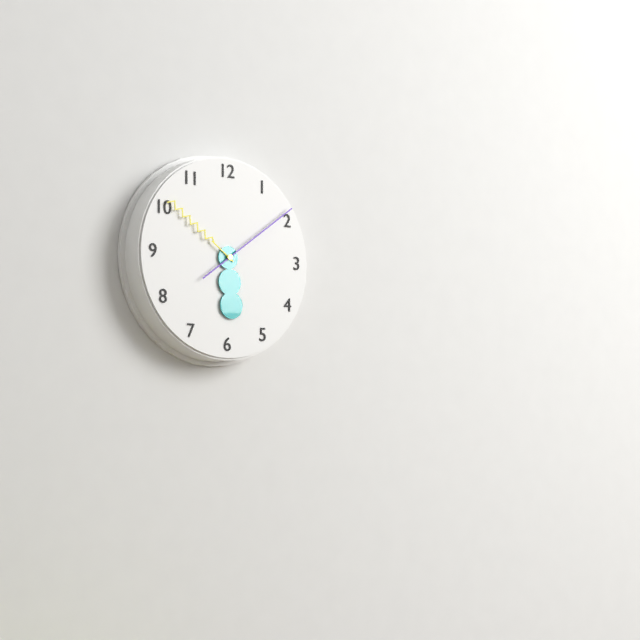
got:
5:51:09
